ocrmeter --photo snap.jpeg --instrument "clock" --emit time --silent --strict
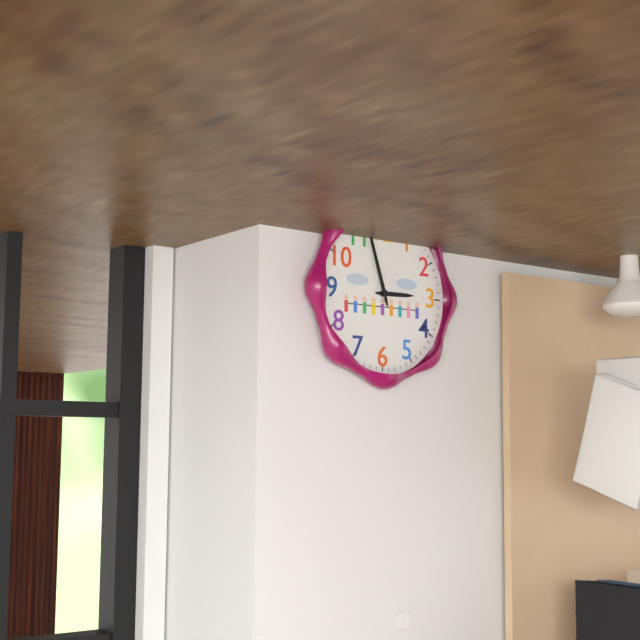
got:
2:57
